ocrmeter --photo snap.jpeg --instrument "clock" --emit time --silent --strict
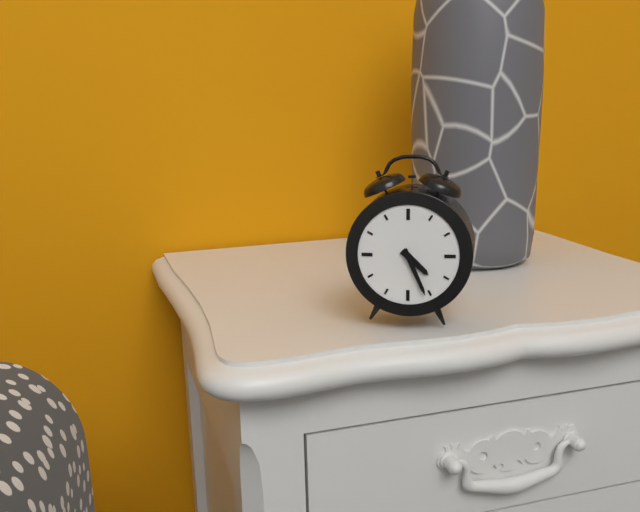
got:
4:26
